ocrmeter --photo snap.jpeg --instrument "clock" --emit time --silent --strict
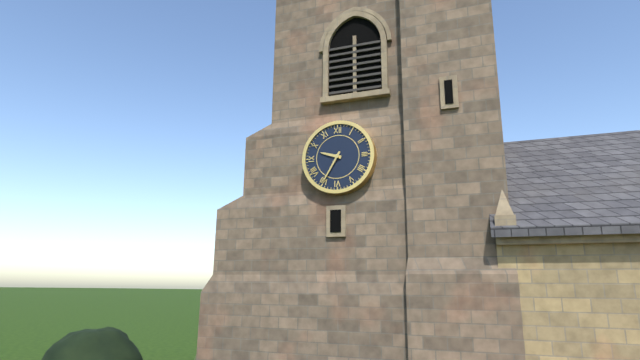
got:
9:35
